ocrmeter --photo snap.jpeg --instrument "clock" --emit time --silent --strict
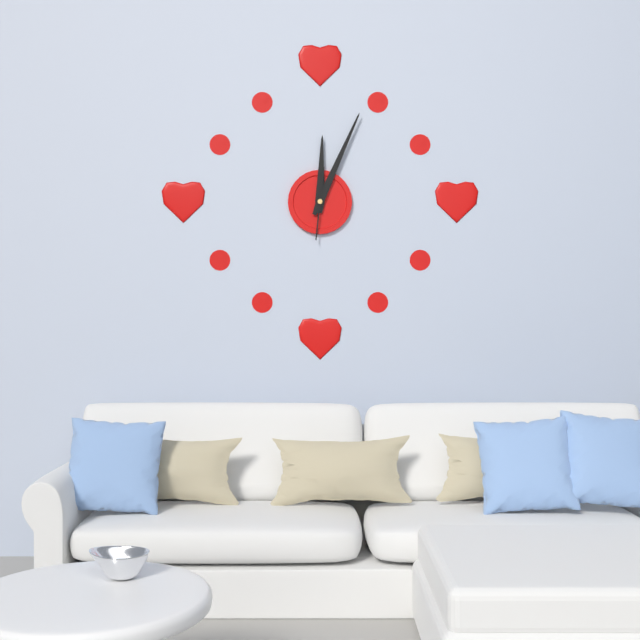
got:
12:04
